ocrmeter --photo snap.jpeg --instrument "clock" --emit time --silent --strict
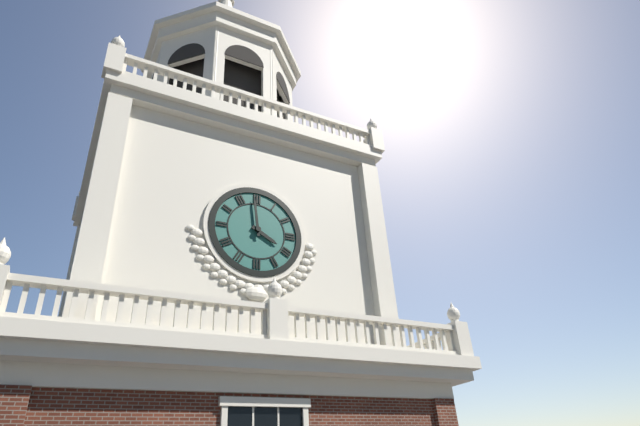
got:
3:59
